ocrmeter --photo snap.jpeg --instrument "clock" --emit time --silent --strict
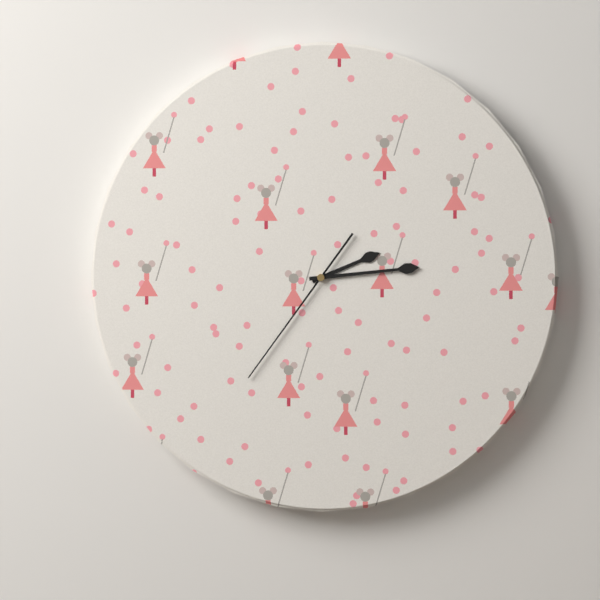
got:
2:14:36
